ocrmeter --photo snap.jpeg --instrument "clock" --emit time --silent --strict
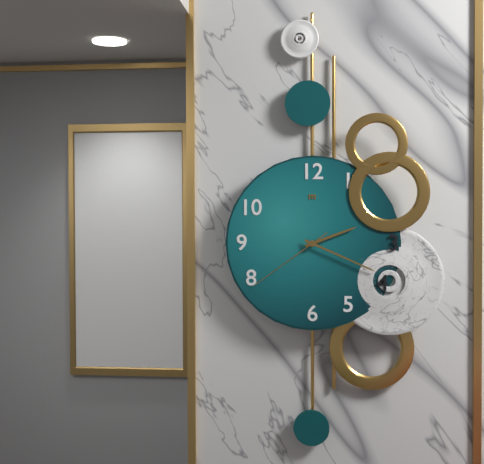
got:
2:19:39
